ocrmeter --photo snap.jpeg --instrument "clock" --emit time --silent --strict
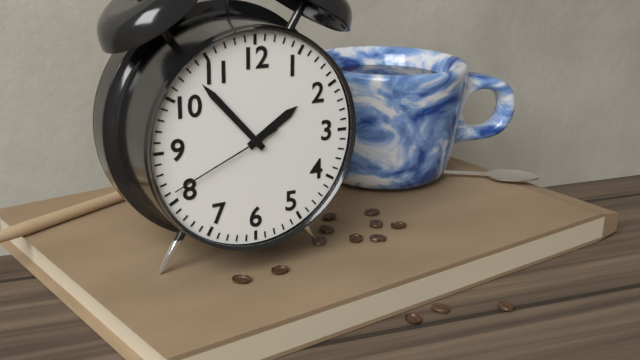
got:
1:53:41
